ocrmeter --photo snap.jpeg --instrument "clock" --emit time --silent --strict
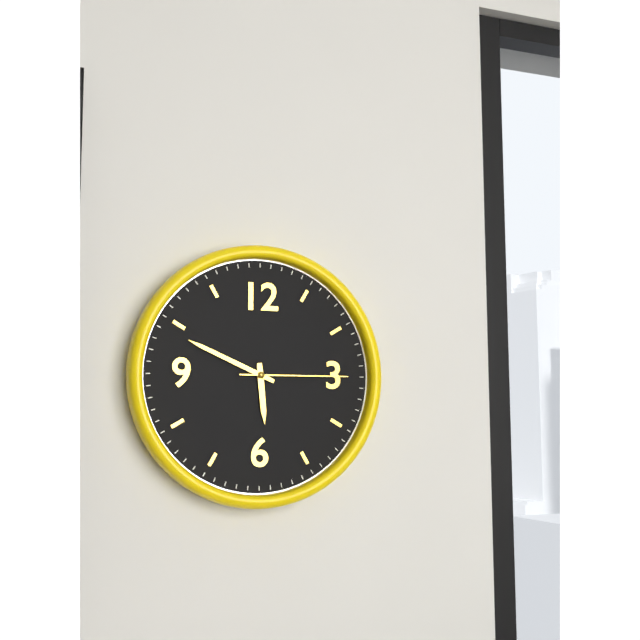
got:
5:49:15
